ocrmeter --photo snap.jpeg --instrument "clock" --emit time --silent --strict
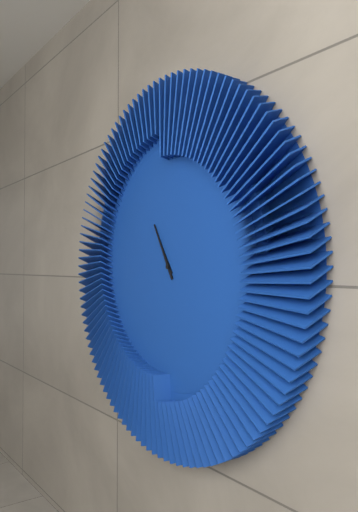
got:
10:55
